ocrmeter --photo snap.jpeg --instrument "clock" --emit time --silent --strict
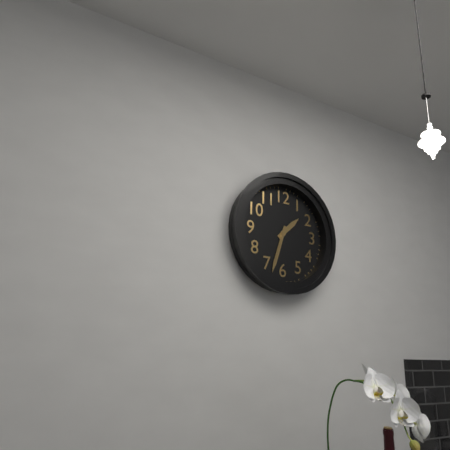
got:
1:33
